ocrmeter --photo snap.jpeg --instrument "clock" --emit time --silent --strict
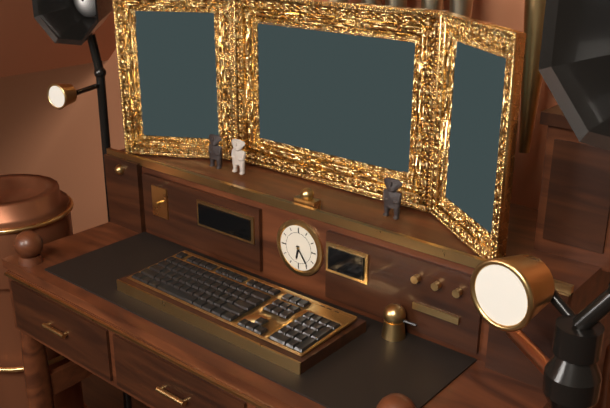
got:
6:24
